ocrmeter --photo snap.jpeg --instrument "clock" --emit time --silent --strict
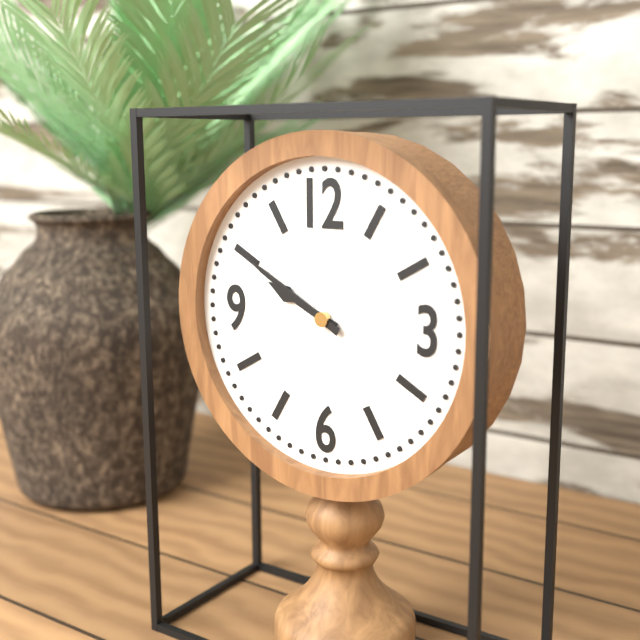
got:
9:50
